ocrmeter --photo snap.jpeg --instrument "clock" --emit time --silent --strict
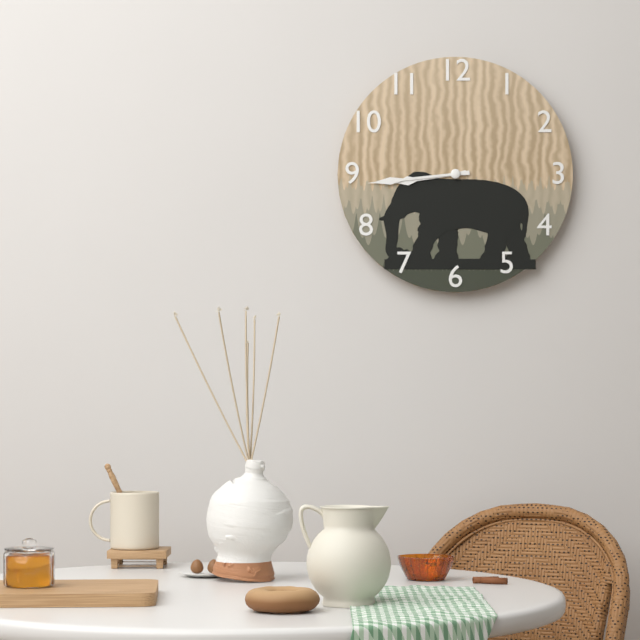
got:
8:44
